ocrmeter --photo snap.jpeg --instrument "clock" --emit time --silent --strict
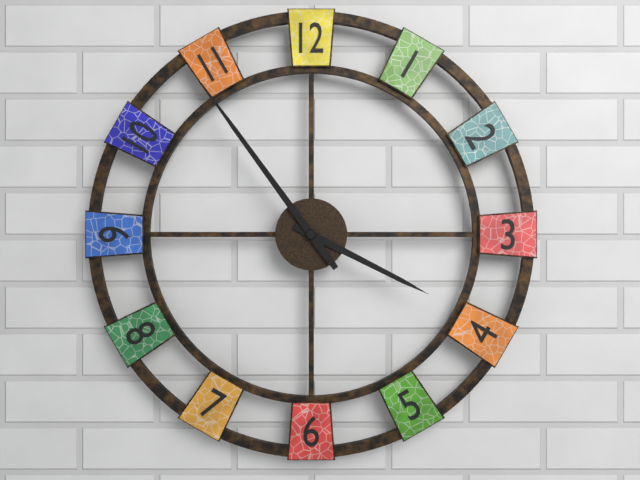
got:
3:54
